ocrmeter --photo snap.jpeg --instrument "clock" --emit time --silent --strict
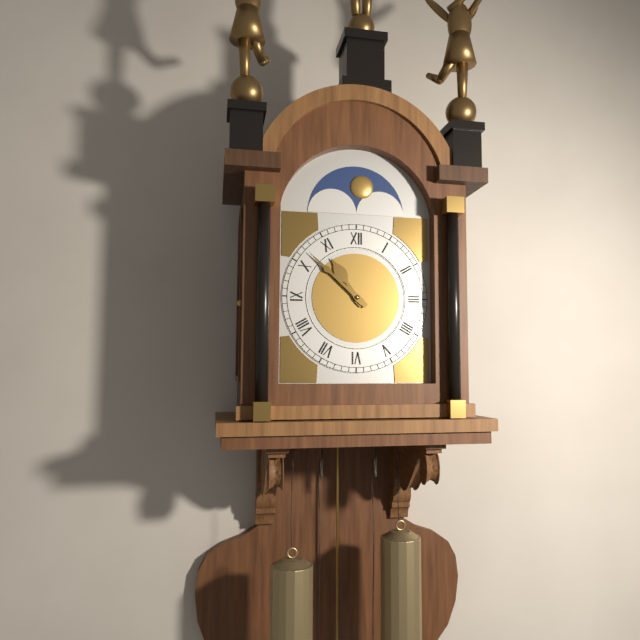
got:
10:52
